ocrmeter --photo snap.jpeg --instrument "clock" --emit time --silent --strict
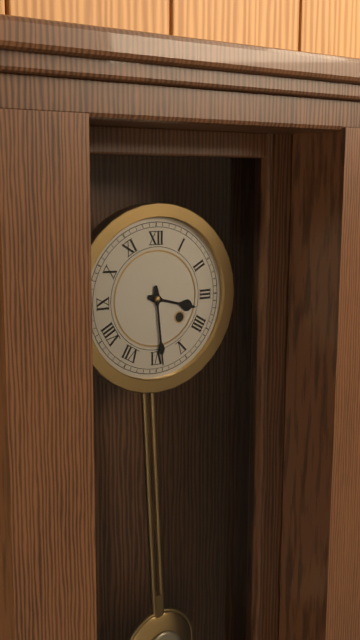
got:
3:29
